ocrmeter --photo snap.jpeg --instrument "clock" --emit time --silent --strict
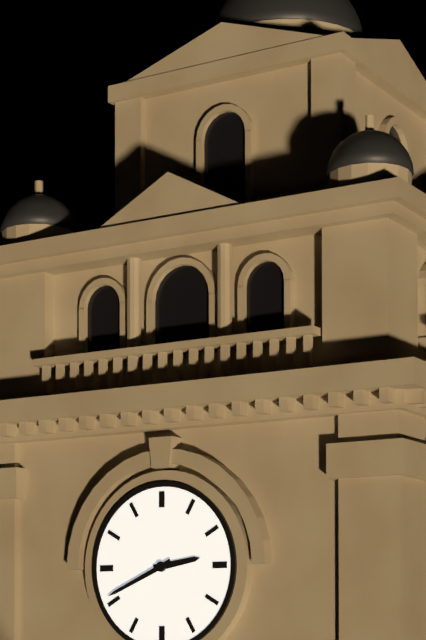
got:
2:41
